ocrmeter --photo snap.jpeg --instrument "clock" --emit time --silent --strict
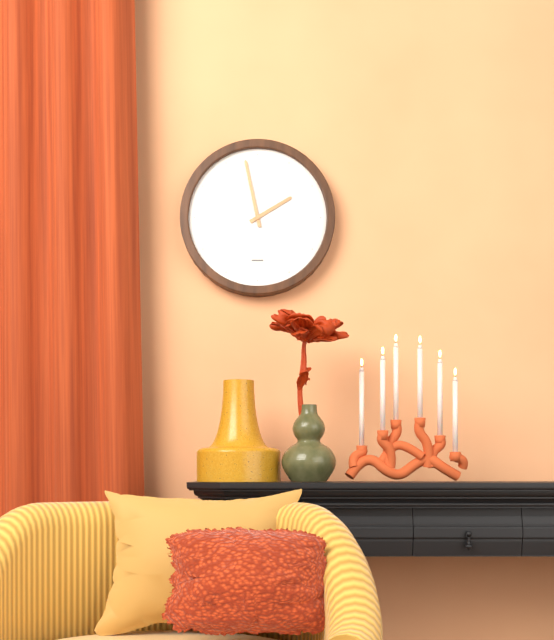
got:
1:58
